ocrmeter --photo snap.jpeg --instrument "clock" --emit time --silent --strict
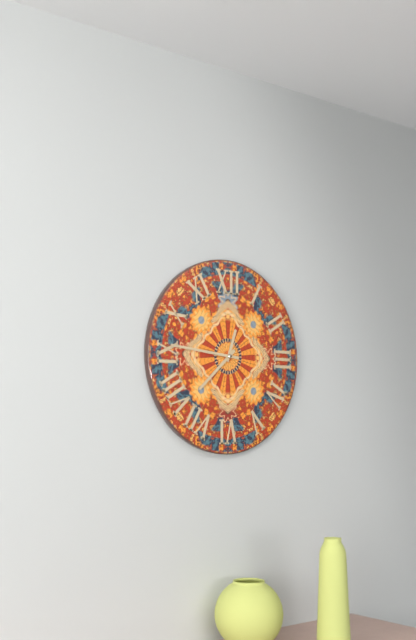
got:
12:38:46
